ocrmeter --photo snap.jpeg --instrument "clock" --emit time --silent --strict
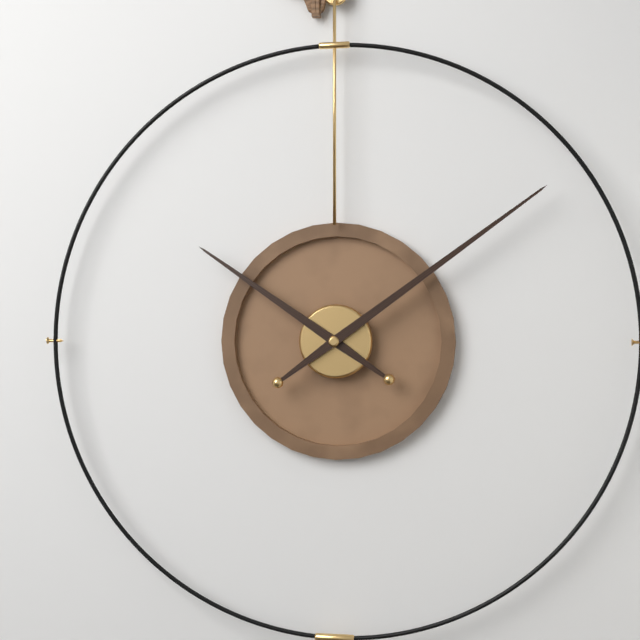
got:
10:09
